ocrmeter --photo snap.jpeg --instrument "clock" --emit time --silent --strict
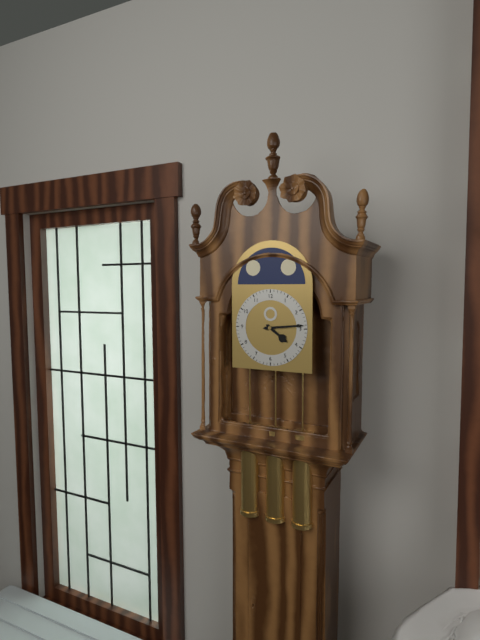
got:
4:14
